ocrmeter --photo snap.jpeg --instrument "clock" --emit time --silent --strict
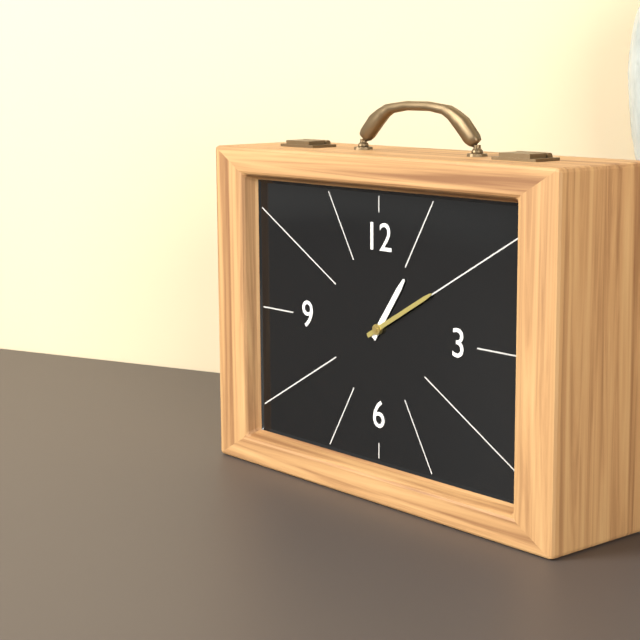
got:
1:10
